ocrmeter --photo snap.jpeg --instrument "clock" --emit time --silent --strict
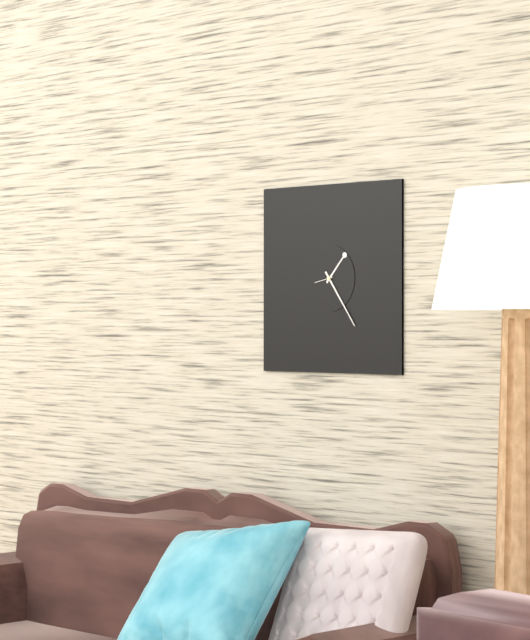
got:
1:24
